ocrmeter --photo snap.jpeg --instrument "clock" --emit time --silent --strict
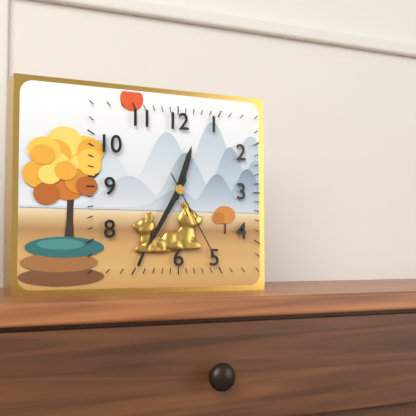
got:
12:35:25
